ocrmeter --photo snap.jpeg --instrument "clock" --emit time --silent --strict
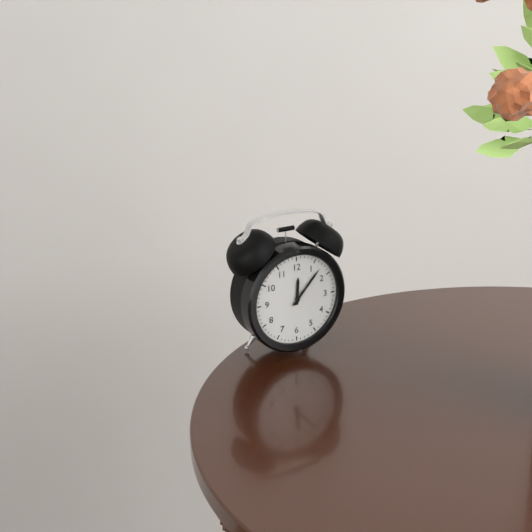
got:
12:07
